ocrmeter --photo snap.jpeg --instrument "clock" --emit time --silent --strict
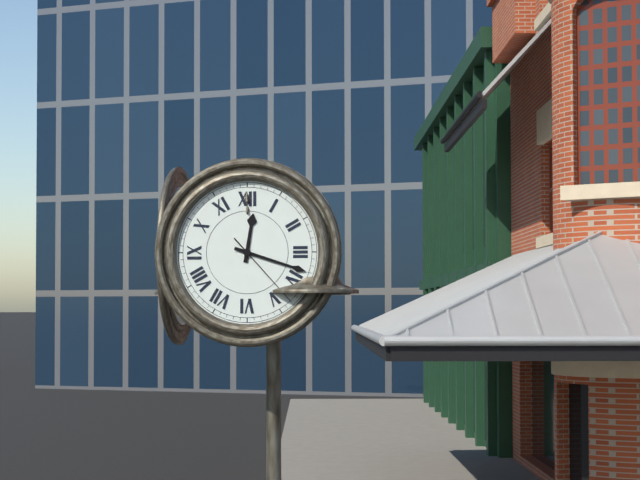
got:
12:18:23
